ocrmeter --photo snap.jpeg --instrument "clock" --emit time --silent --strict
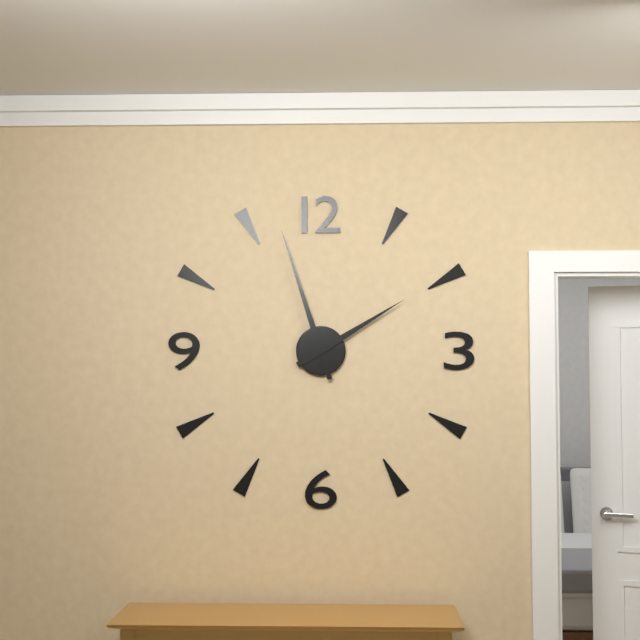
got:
1:57
